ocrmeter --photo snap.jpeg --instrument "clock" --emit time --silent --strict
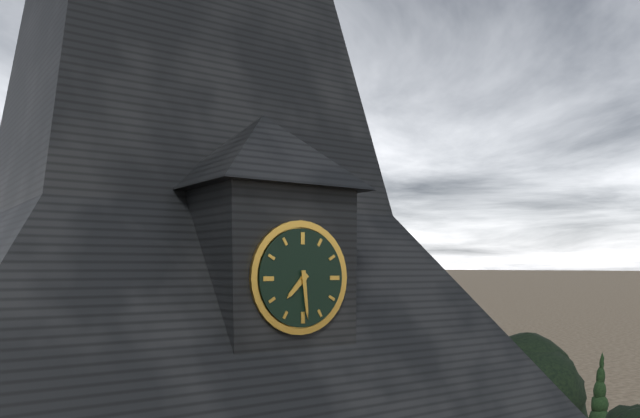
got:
7:29
